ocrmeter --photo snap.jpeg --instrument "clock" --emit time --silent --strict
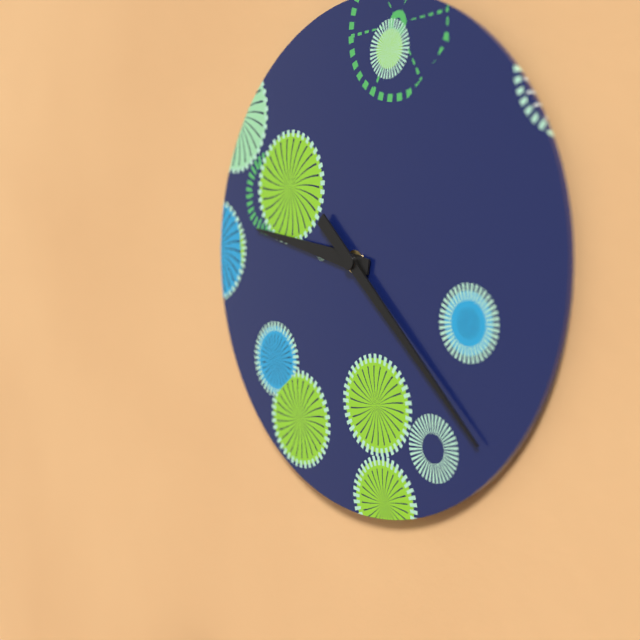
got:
9:22
